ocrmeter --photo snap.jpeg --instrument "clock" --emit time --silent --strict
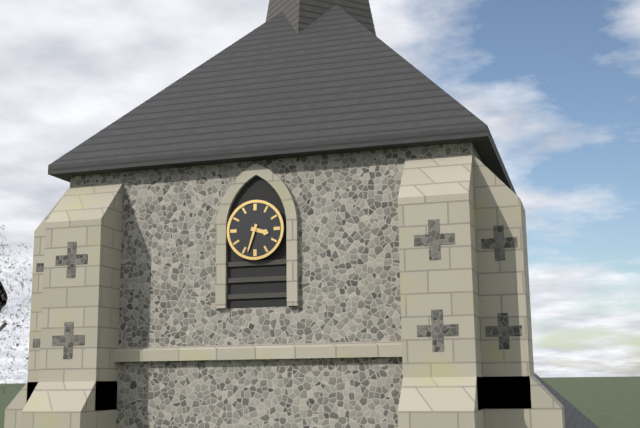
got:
3:33
